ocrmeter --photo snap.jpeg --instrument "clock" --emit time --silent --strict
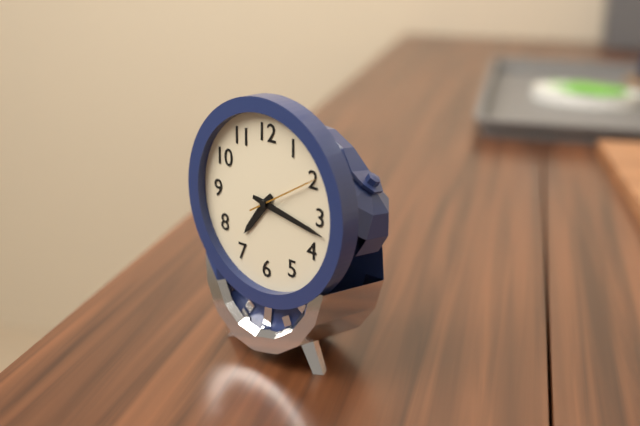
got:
7:17:10
